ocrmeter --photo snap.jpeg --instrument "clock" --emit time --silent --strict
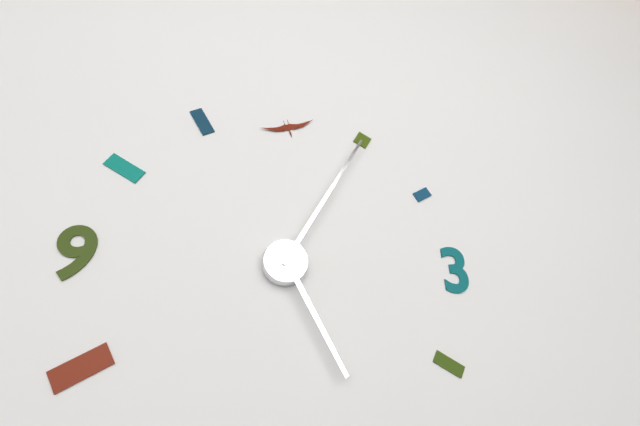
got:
5:05
